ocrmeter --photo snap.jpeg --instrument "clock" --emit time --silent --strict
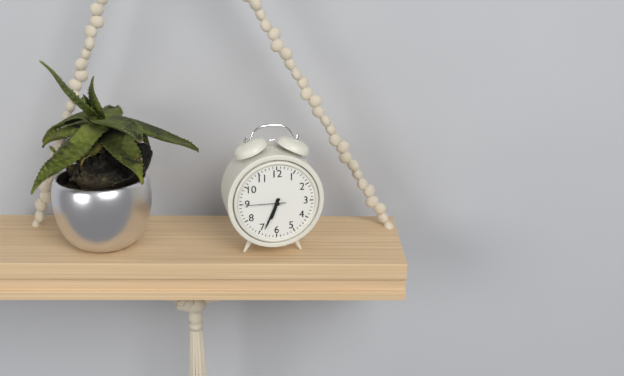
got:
6:34
